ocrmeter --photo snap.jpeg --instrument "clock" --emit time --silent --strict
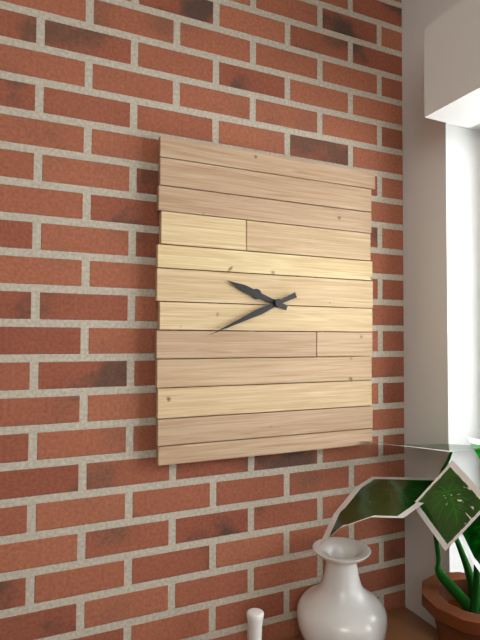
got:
9:41
